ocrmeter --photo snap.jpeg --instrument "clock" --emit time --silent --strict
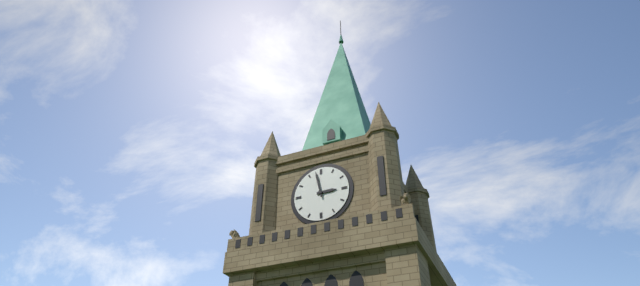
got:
2:58
